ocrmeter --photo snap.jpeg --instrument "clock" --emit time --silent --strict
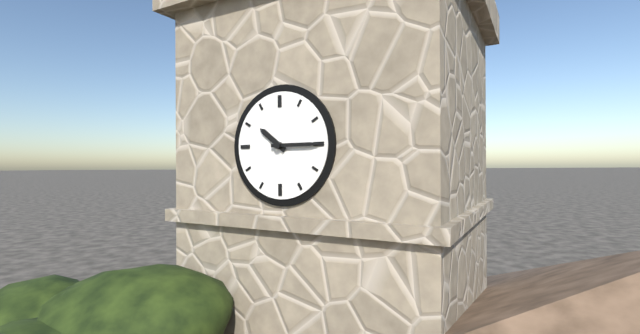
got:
10:15
